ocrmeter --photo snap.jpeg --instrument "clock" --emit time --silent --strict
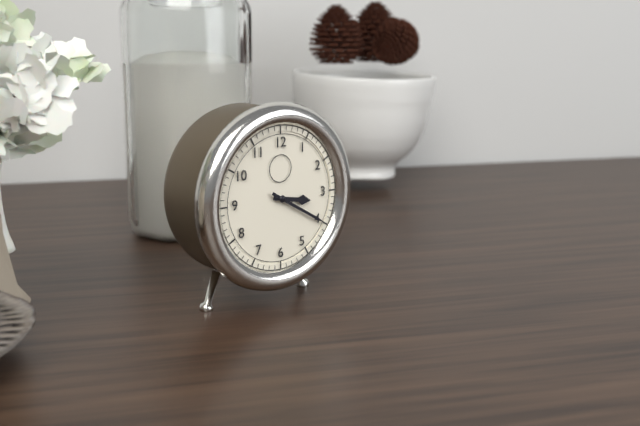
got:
3:20
